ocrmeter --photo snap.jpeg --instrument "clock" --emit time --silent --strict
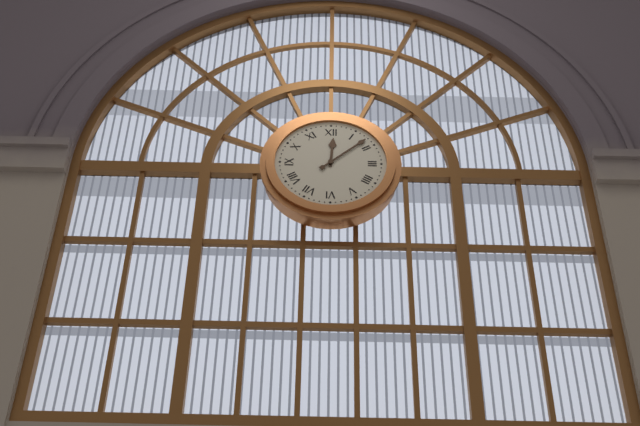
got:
12:08
